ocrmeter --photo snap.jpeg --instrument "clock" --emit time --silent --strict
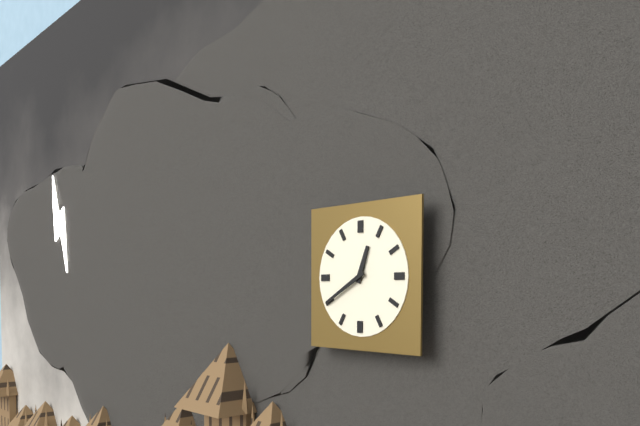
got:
12:40
